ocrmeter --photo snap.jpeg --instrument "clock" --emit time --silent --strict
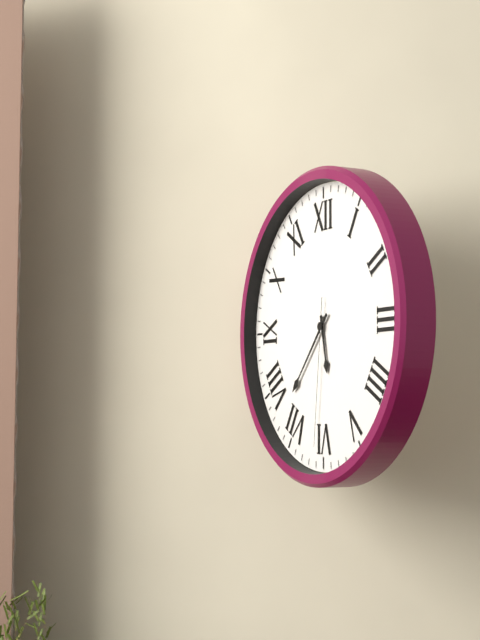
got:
5:37:31
